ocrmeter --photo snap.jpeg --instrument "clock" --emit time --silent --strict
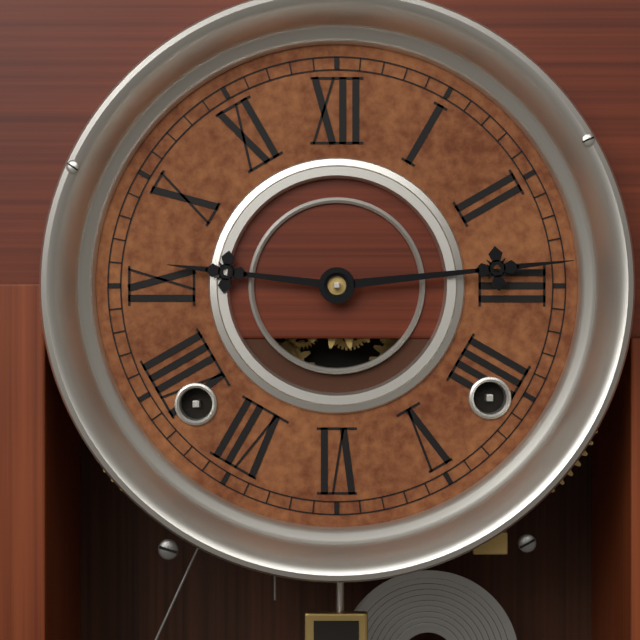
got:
9:14
